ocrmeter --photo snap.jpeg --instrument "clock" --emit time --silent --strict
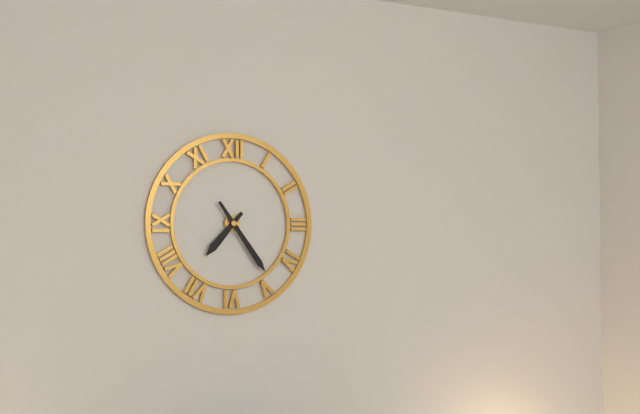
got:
7:24
